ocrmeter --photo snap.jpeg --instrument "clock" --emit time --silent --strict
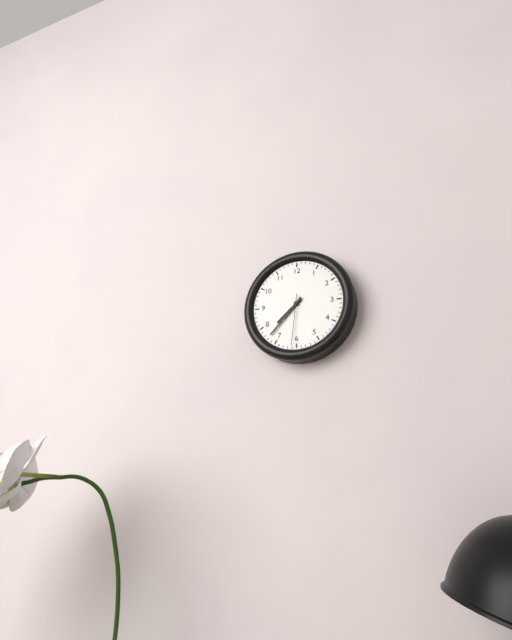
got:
7:37:31
